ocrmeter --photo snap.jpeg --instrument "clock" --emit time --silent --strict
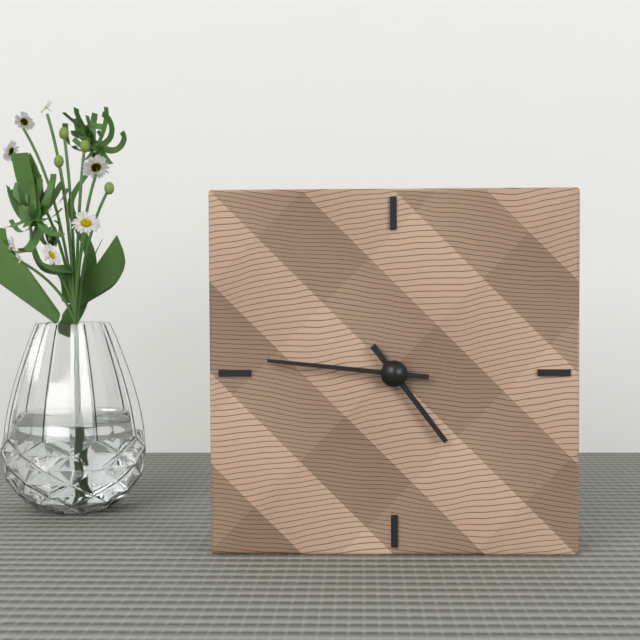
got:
4:46
